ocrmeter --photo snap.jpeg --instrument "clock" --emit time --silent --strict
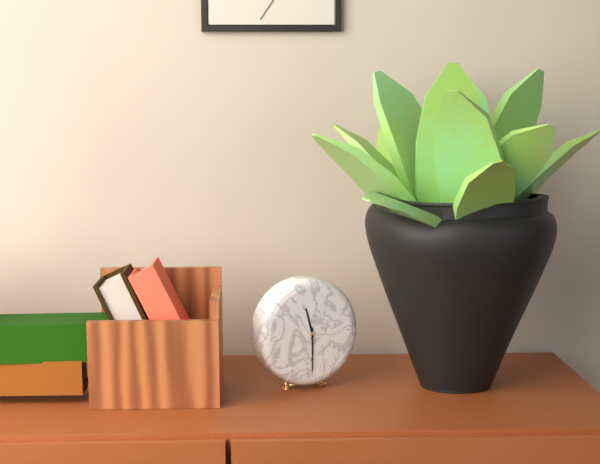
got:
11:30
